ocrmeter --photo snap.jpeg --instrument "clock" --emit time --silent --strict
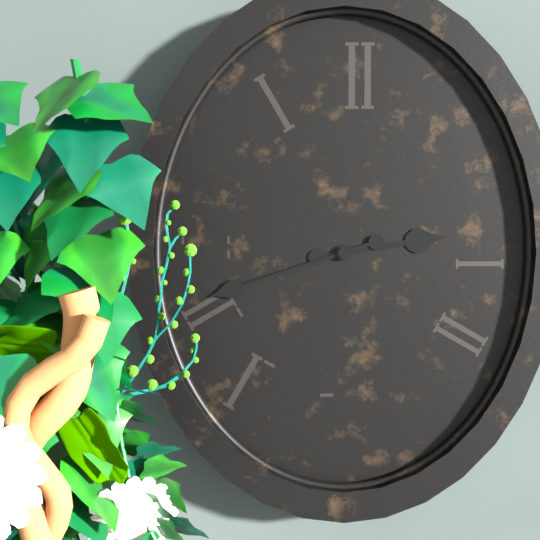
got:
2:42
